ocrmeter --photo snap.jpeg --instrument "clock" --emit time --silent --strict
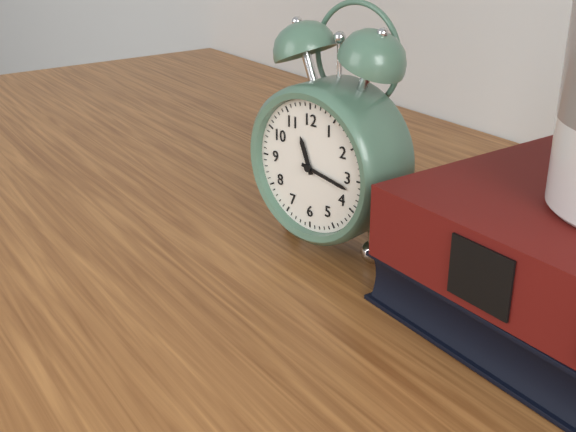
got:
11:17
